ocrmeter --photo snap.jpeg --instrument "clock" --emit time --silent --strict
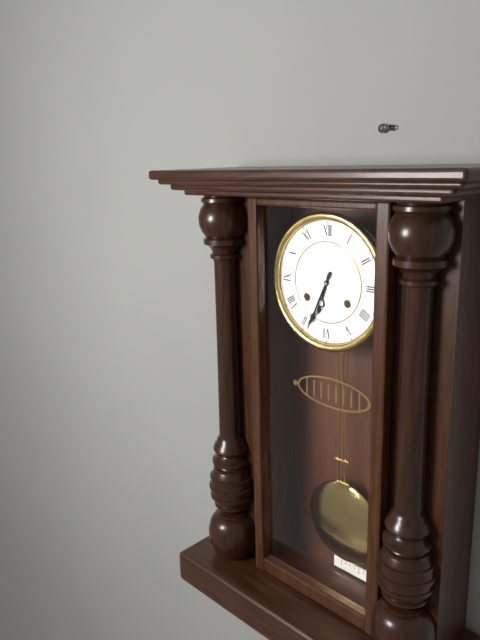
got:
6:34
